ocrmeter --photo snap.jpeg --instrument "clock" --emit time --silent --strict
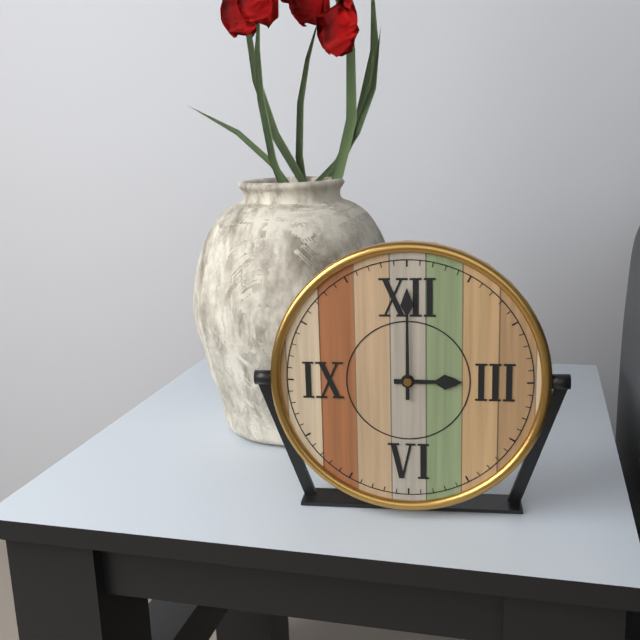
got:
3:00
